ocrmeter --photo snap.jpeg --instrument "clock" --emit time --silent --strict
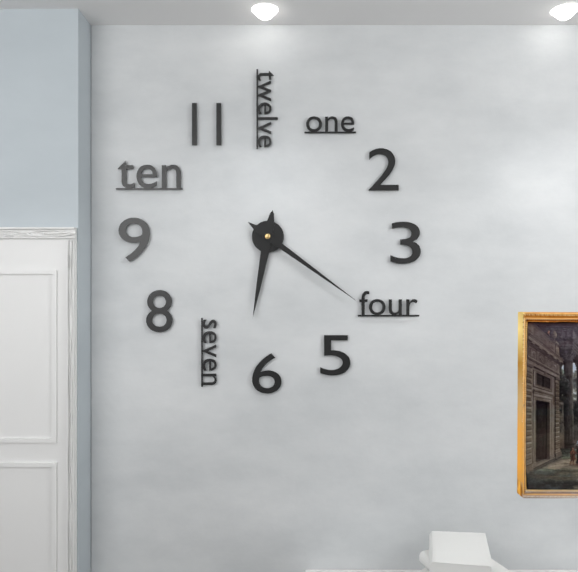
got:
6:21
